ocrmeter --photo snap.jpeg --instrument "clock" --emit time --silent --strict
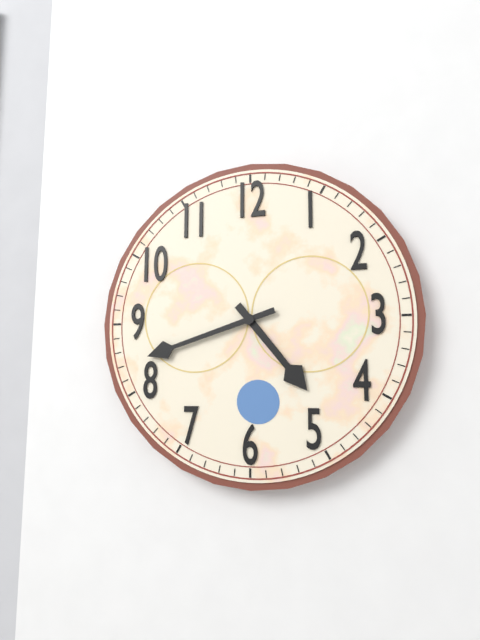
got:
4:42
